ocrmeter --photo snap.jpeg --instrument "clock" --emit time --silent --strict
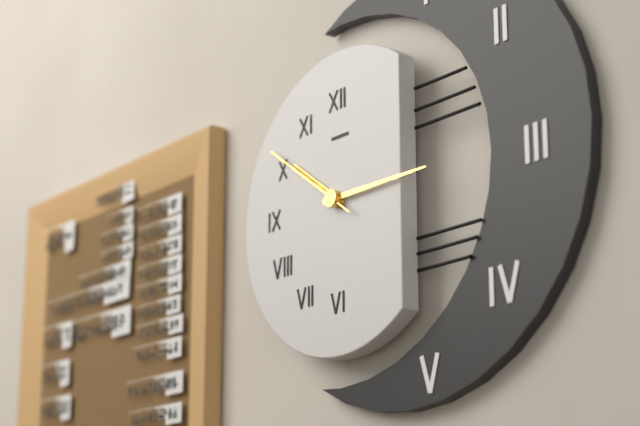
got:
10:15:51
